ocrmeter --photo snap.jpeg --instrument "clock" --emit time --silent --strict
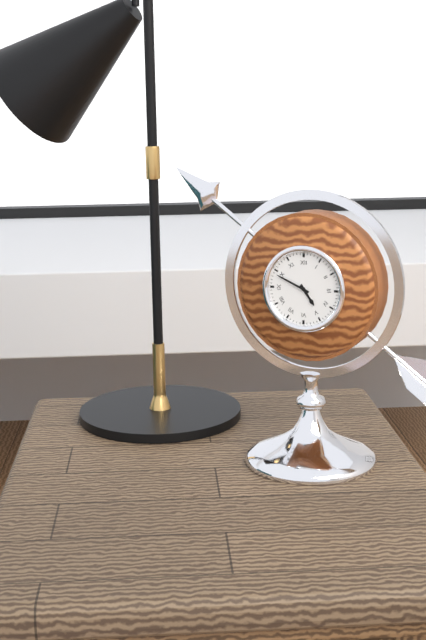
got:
4:49
